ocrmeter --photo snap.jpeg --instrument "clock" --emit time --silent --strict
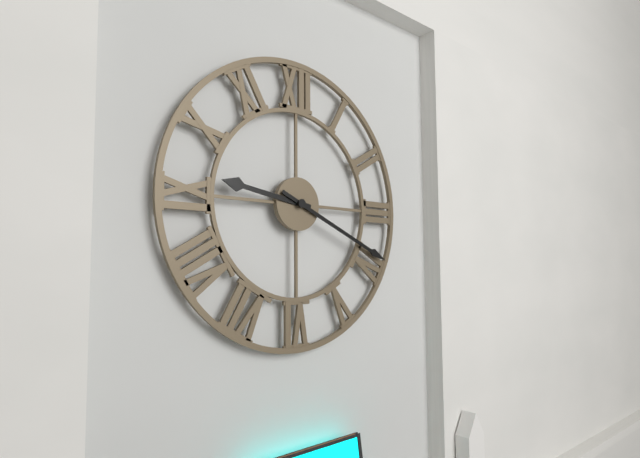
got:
9:19
